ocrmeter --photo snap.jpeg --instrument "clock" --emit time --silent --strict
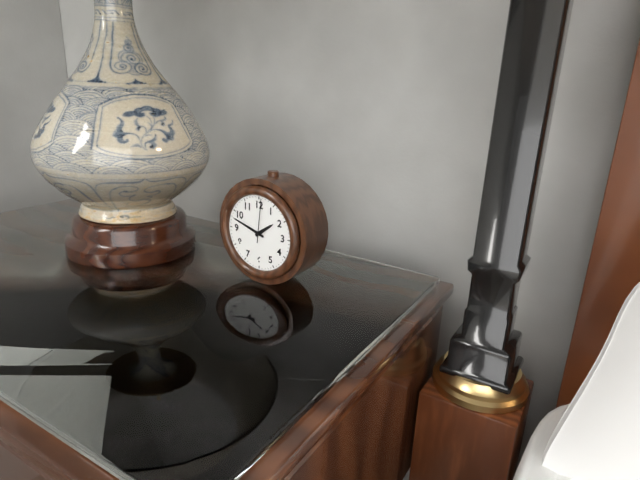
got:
1:48
